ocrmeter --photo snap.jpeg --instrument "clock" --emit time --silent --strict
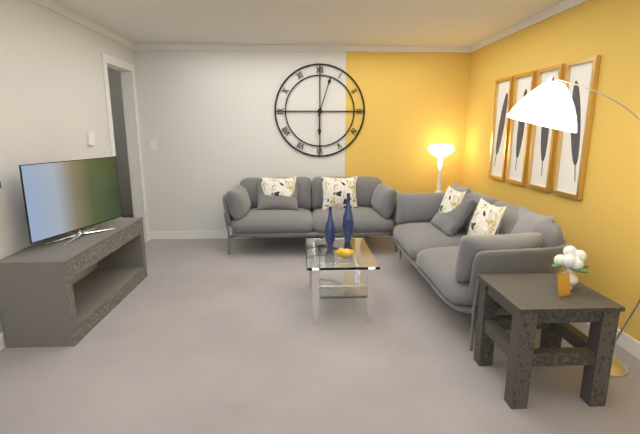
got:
6:03
